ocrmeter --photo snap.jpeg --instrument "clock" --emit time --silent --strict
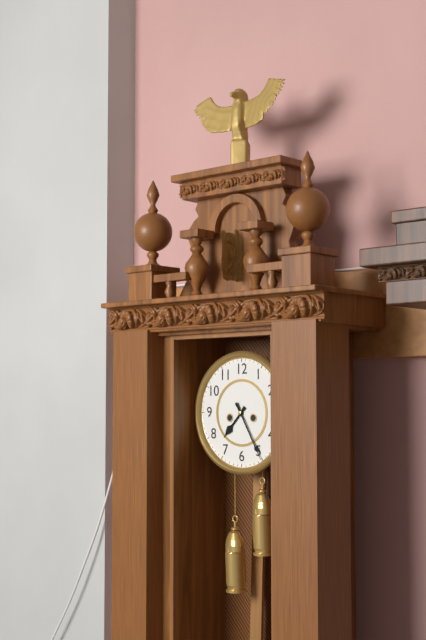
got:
7:25
